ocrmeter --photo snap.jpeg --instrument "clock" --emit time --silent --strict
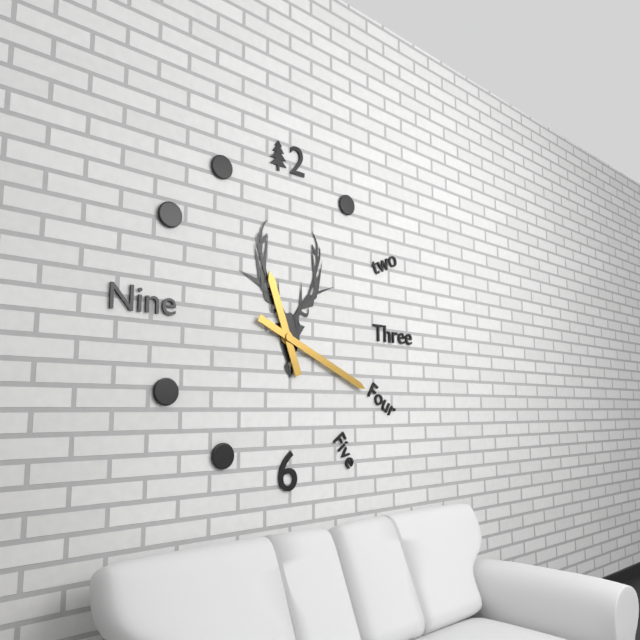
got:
11:19
